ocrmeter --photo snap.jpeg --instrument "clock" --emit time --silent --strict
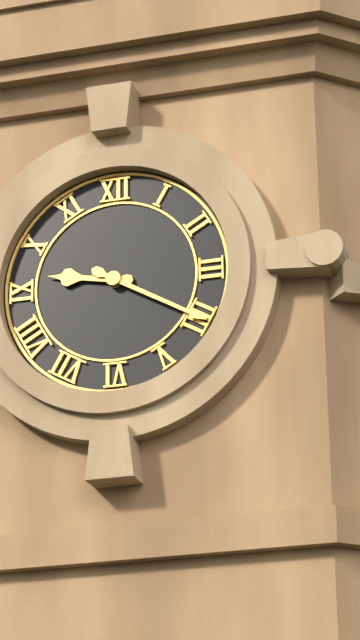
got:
9:20
